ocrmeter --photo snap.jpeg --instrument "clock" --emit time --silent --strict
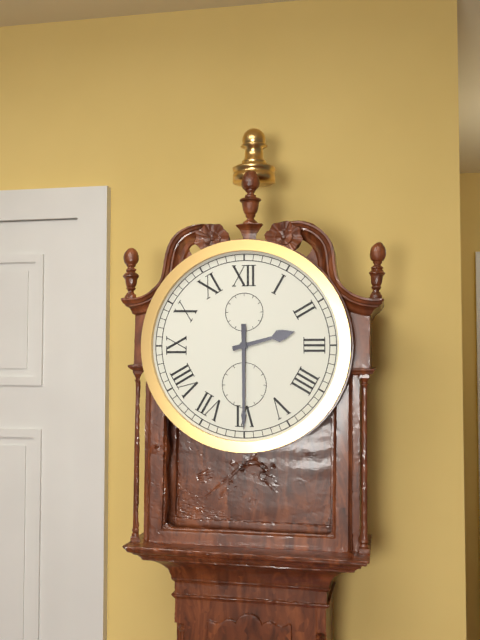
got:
2:30
